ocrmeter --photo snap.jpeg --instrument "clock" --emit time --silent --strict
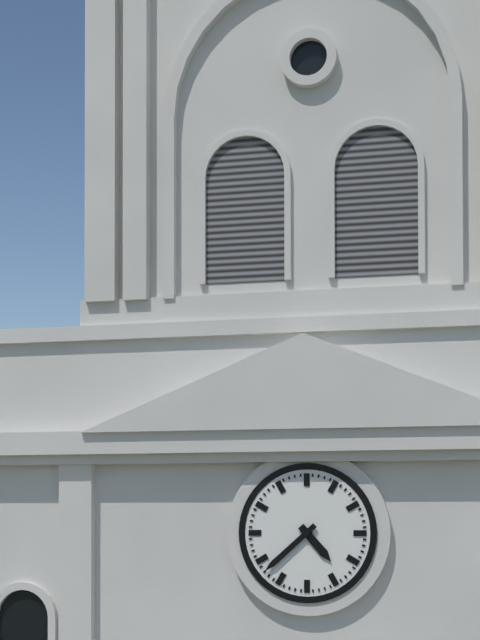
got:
4:38
